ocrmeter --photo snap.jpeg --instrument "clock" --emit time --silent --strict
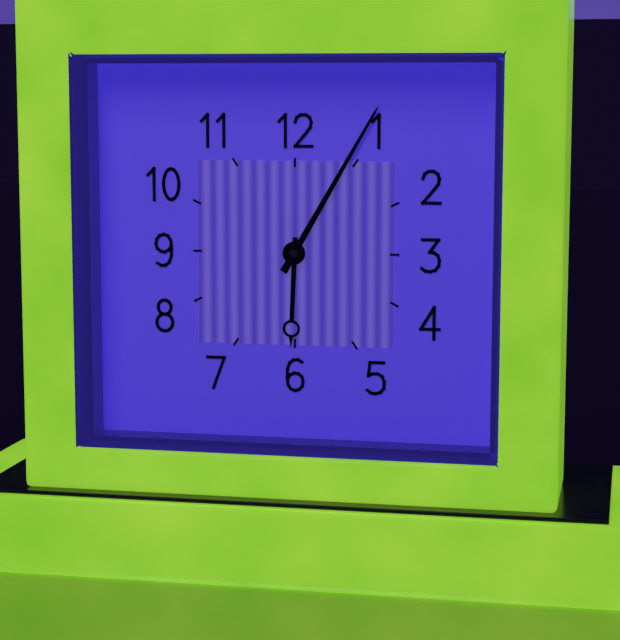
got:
6:05
